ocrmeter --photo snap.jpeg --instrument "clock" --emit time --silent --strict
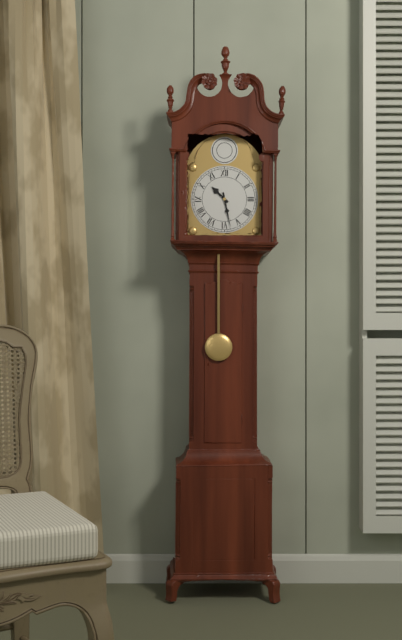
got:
10:28
